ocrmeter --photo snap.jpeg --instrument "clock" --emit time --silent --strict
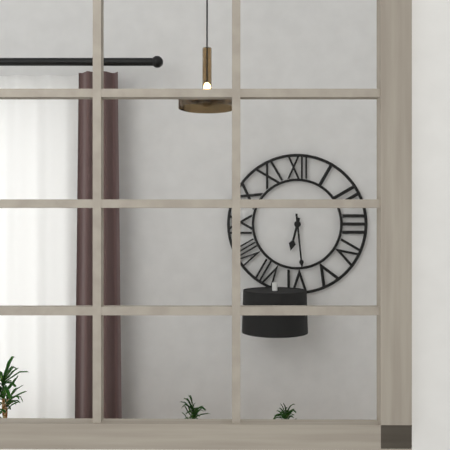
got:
6:29
